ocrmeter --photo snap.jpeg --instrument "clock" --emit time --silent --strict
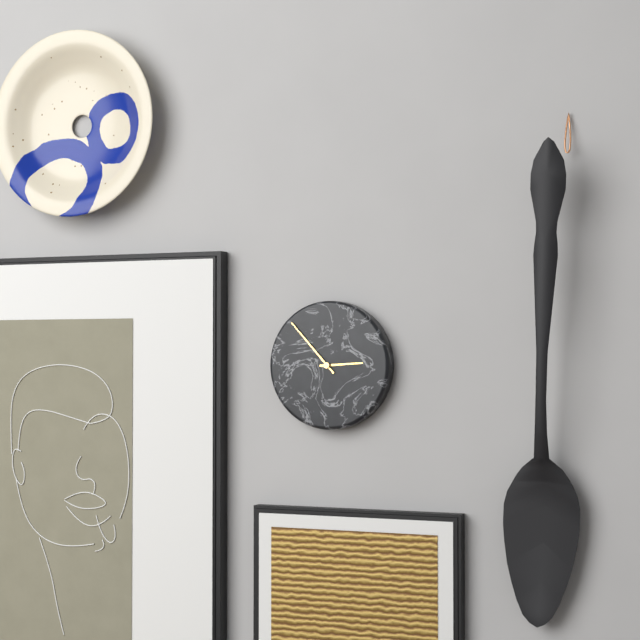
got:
2:53
